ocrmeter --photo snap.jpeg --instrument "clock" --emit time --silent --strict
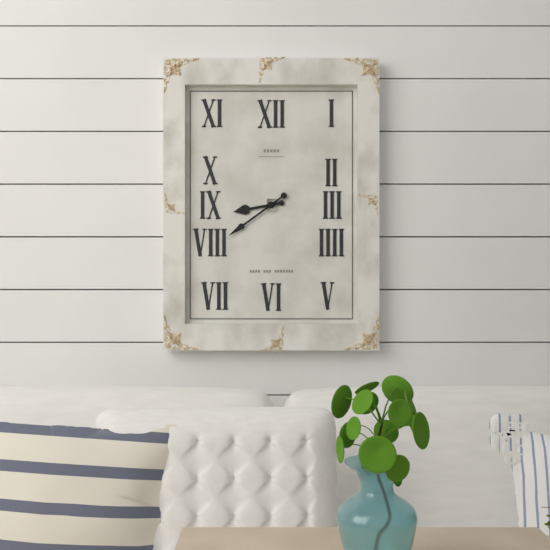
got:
8:39
